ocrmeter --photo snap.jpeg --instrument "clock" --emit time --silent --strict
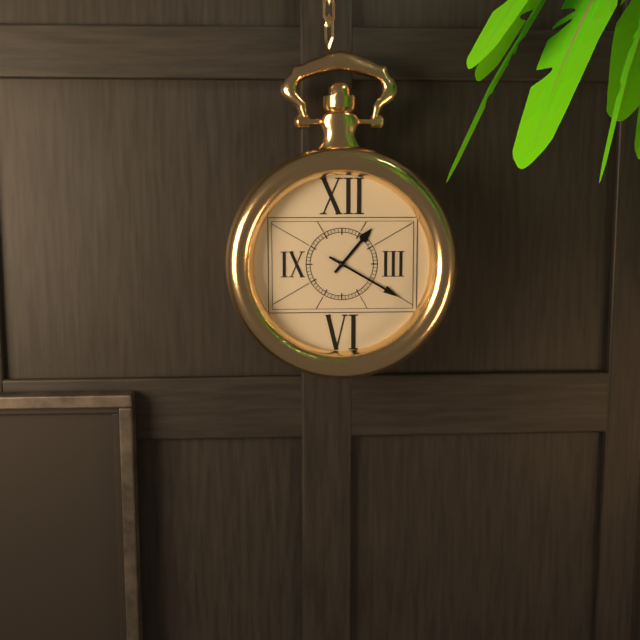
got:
1:20
